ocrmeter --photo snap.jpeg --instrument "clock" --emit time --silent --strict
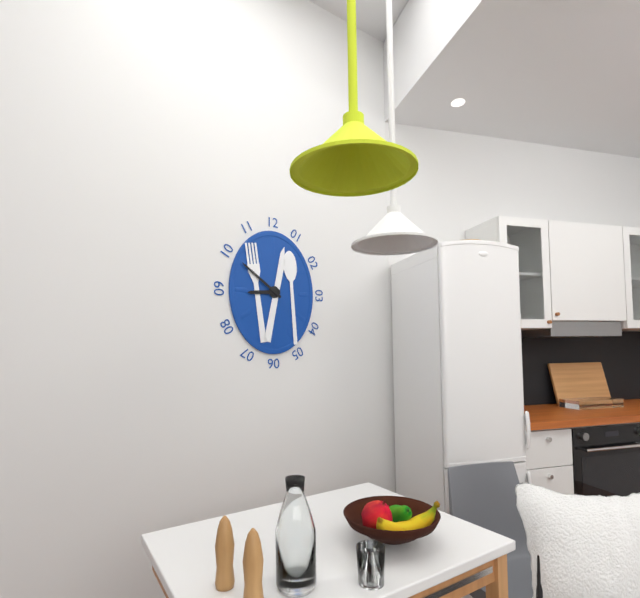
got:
8:51
